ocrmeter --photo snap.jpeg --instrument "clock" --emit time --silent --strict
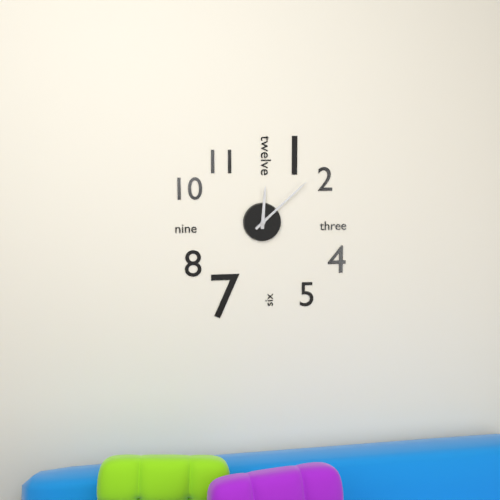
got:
12:08
